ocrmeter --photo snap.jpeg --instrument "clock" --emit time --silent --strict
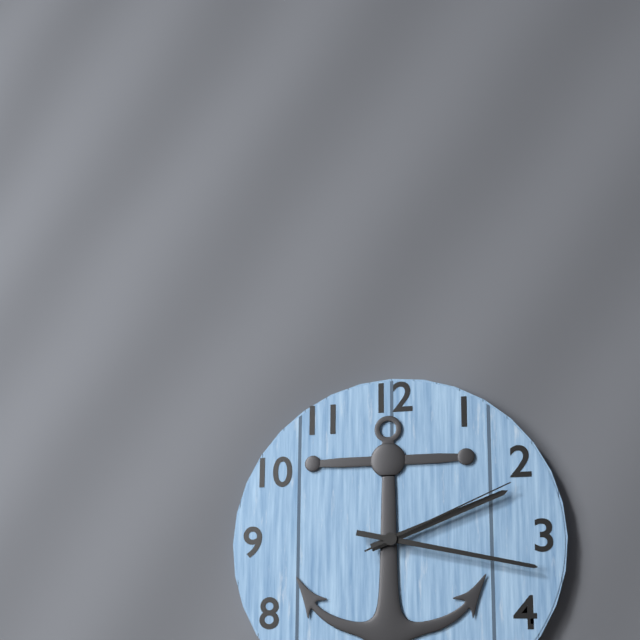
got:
2:17:11
